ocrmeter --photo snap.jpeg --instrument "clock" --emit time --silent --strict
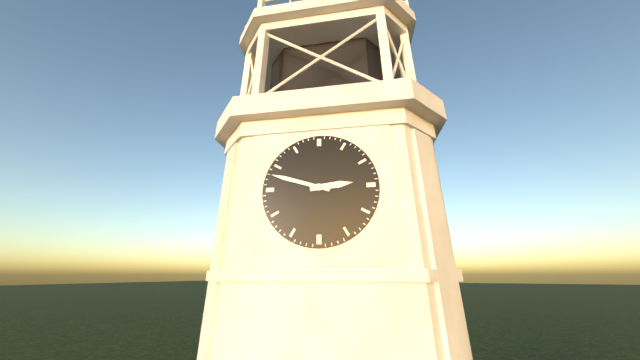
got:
2:48
